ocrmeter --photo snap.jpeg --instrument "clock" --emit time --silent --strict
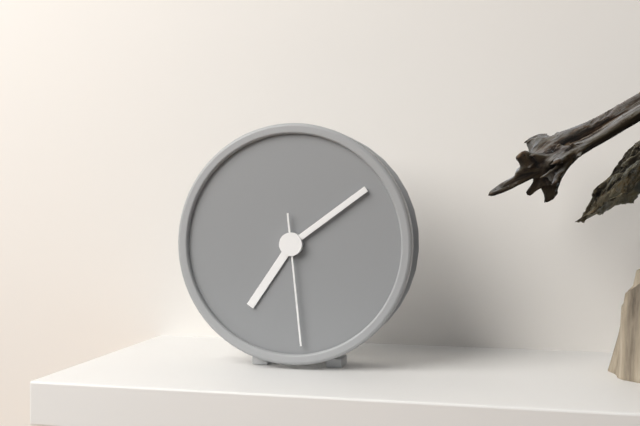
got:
7:09:29
